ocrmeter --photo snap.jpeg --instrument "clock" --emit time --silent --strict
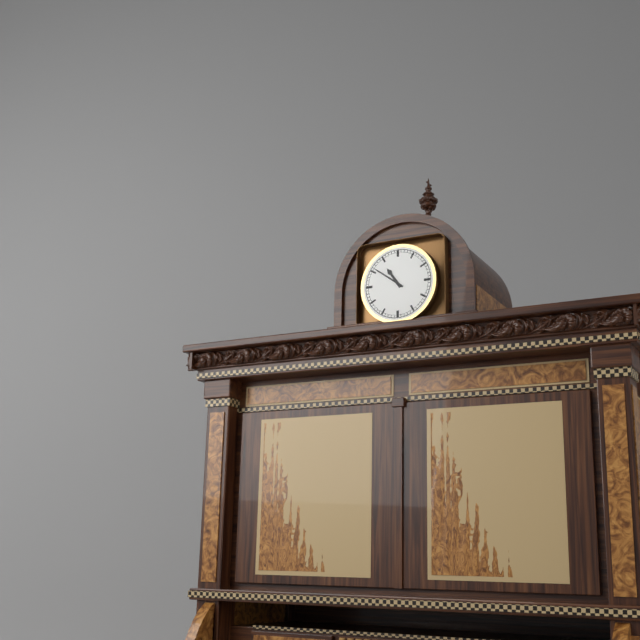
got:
10:51
